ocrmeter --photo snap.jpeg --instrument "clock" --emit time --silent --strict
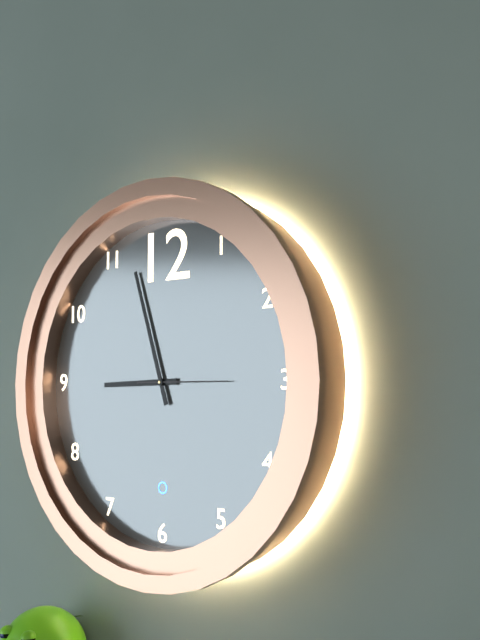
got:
8:57:15
